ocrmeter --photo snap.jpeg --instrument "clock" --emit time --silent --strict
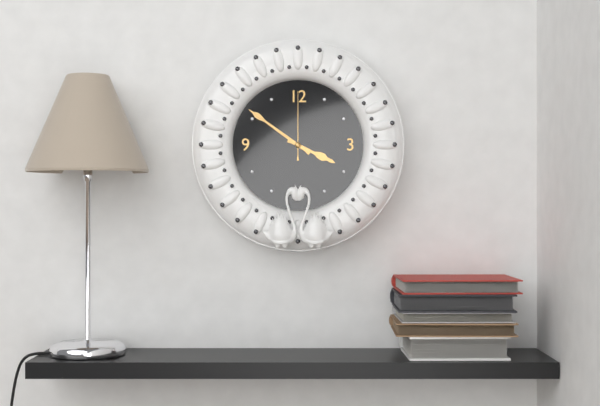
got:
3:51:00
